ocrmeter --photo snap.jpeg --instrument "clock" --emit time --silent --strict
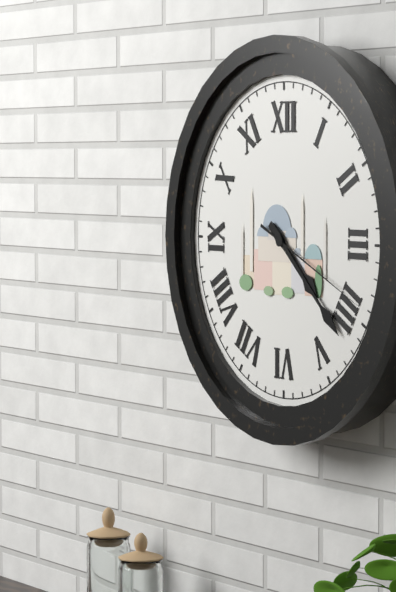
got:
4:22:19
